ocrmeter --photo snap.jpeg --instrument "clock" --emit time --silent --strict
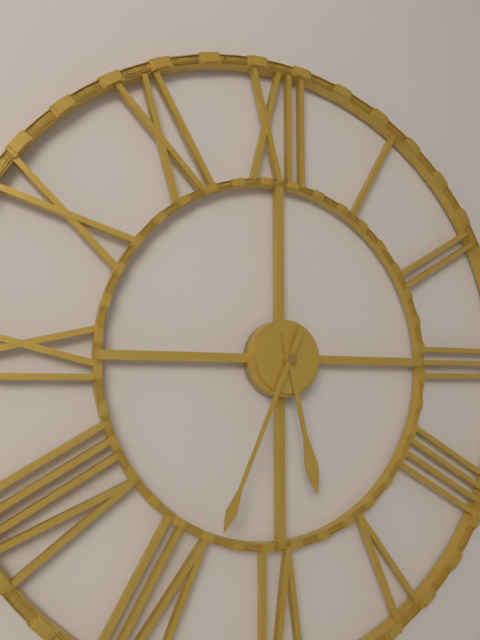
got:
5:34
